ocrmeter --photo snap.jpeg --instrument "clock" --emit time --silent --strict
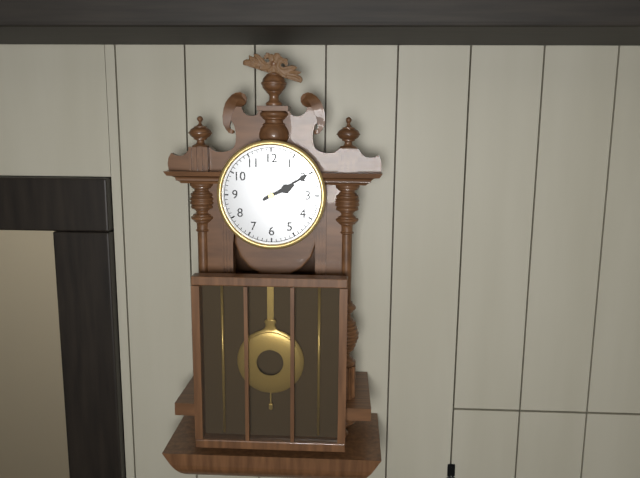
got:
2:10
